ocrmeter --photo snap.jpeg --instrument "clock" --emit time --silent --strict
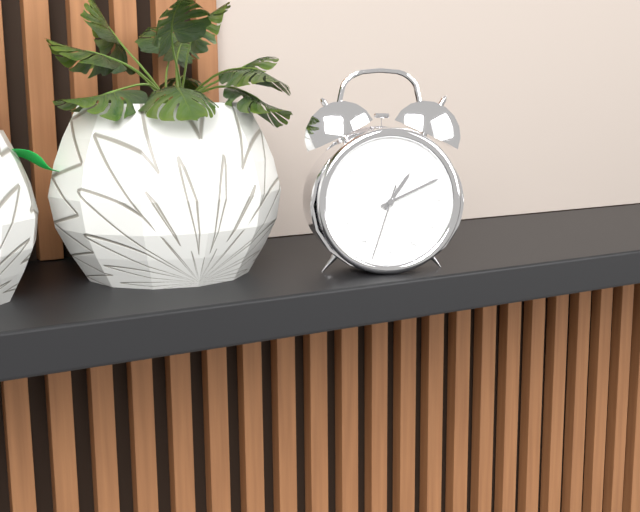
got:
1:11:33
